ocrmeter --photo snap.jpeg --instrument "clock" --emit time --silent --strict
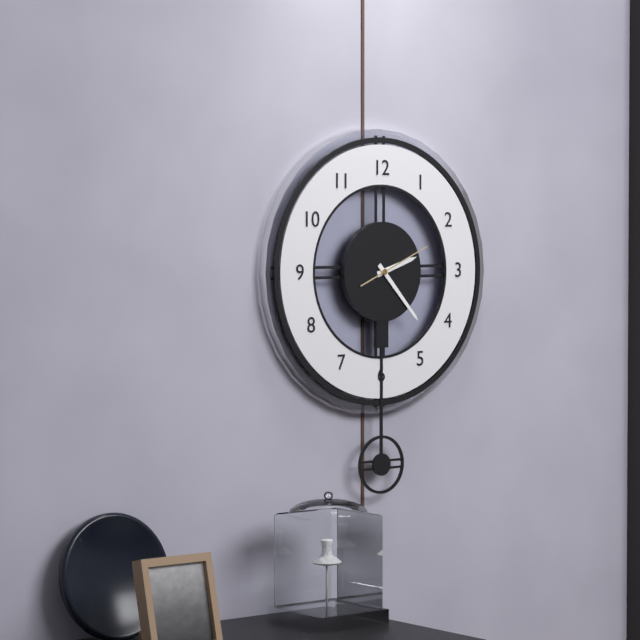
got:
2:23:11
